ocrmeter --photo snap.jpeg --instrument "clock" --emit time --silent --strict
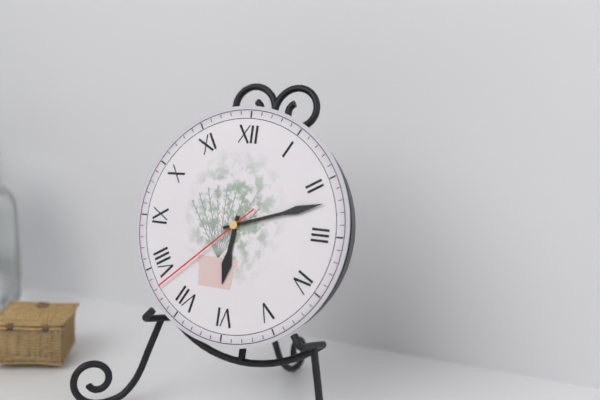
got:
6:12:38
